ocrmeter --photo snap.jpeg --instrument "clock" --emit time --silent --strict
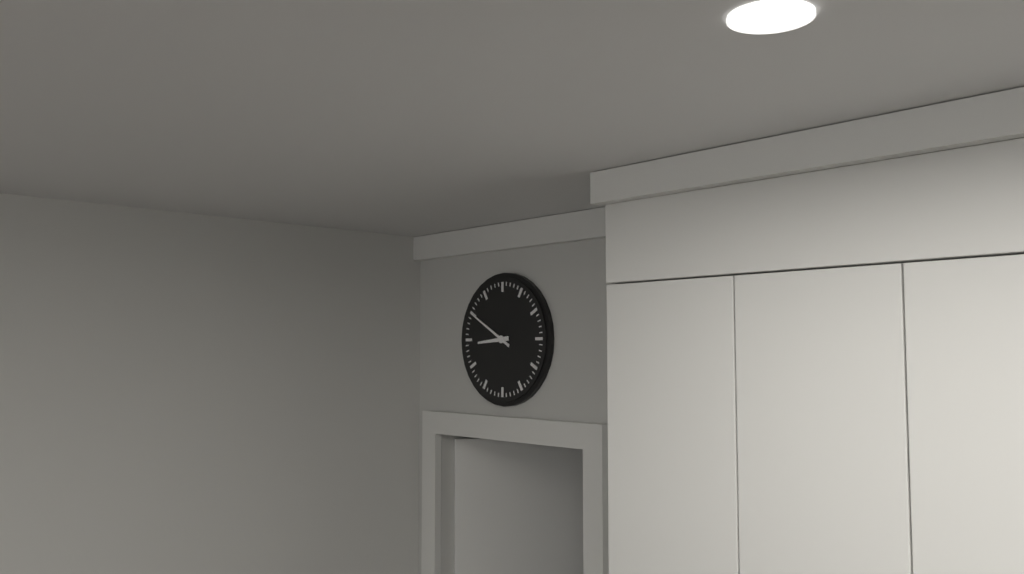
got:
8:50
